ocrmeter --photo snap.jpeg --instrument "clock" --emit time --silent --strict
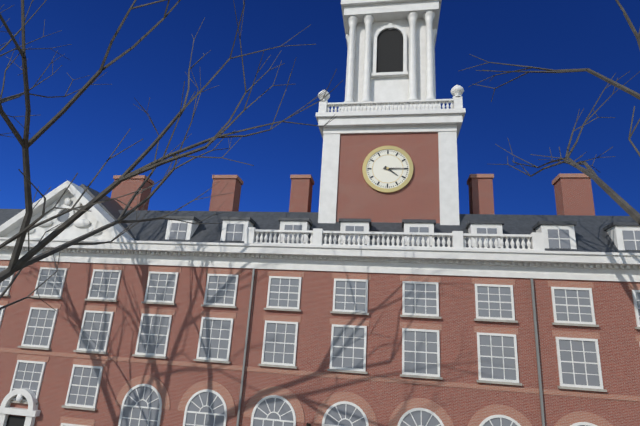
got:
4:15
